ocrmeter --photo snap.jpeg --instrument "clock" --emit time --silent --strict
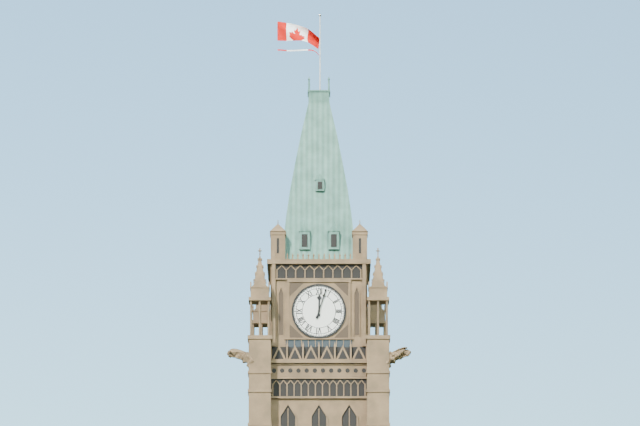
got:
12:03
